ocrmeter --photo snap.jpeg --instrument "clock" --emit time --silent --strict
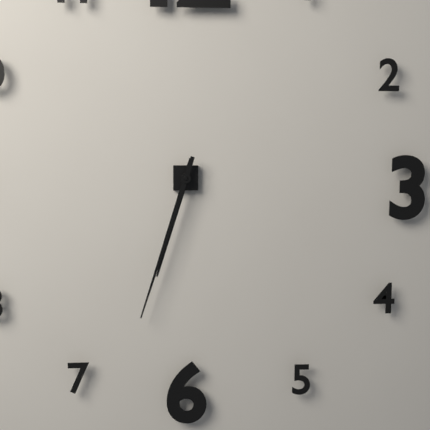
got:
6:33
